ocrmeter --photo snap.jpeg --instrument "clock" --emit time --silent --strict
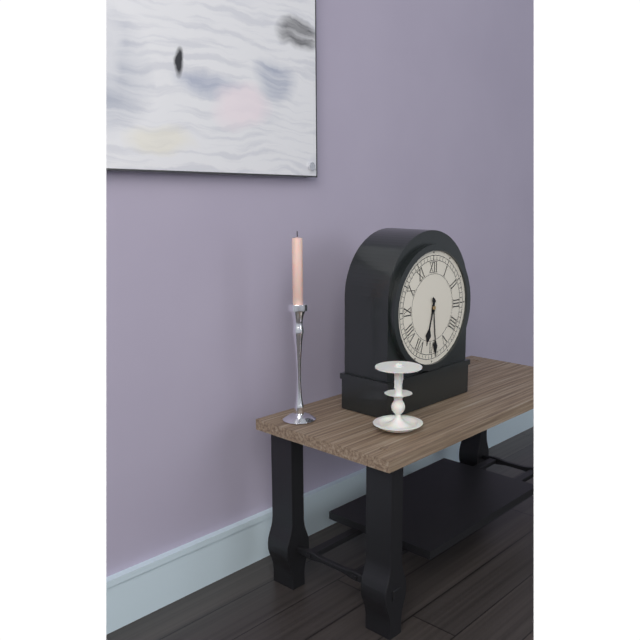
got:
6:29
